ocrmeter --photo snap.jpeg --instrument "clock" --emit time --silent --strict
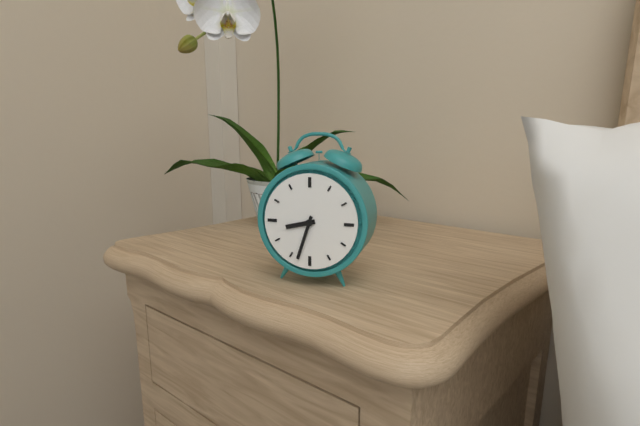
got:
8:33
